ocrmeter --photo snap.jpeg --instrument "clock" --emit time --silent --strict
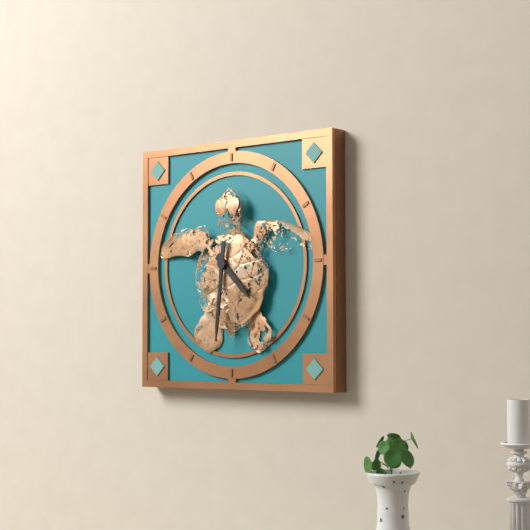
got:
4:31
